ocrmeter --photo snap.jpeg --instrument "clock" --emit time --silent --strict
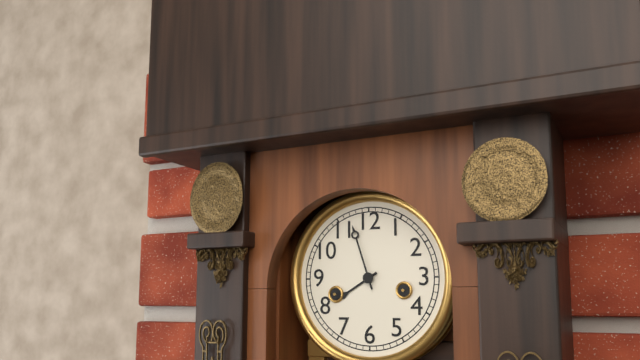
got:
7:57
